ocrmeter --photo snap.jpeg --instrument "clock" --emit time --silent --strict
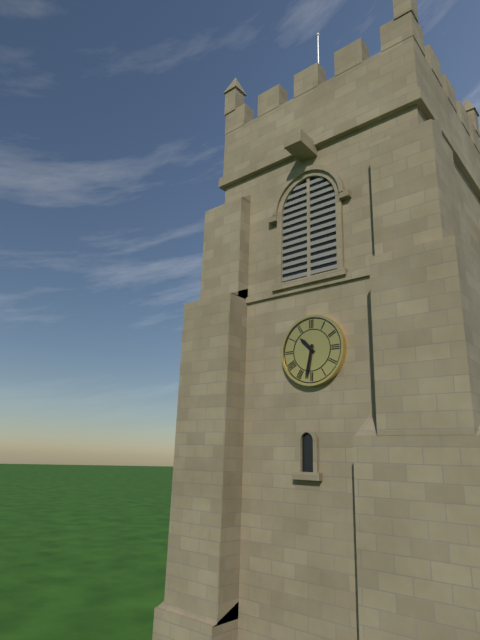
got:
10:32
